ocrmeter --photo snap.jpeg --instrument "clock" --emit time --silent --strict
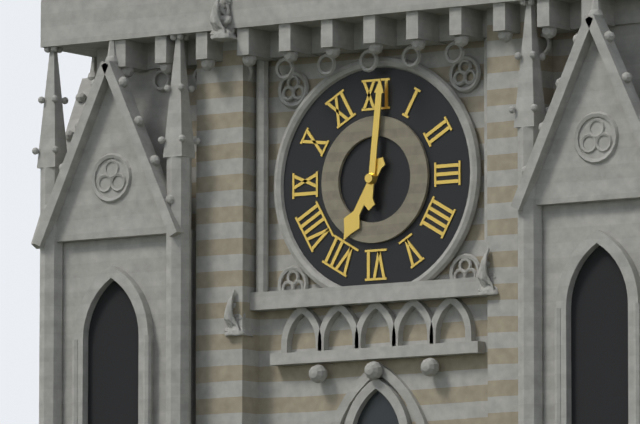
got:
7:01
